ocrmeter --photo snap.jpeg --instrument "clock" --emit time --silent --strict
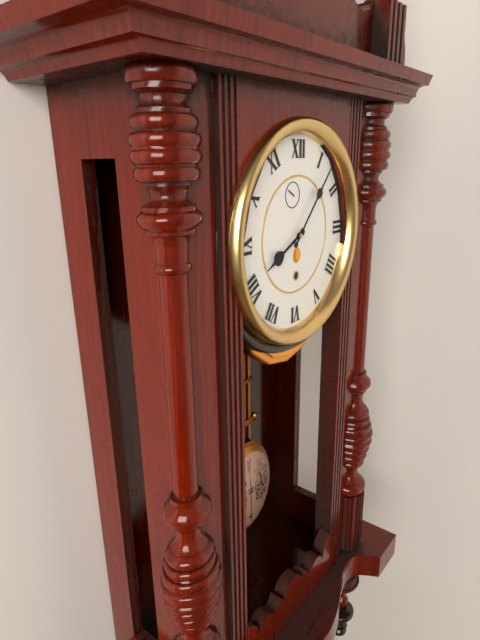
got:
8:07
